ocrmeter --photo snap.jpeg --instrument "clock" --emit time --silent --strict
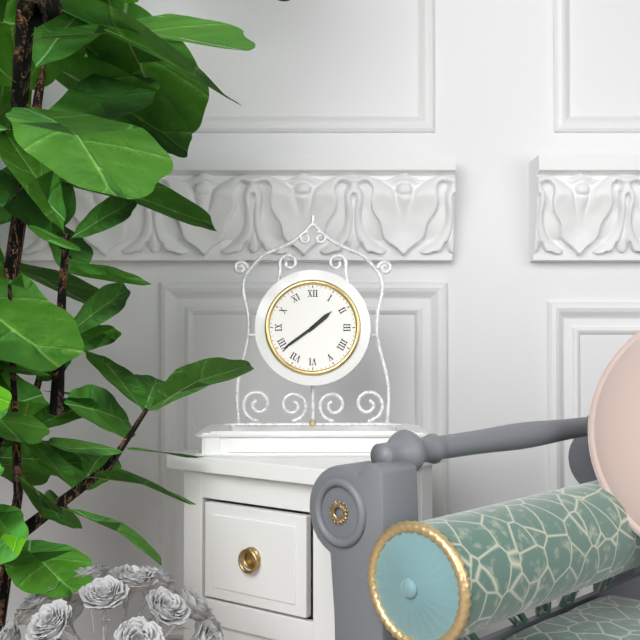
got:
1:39
